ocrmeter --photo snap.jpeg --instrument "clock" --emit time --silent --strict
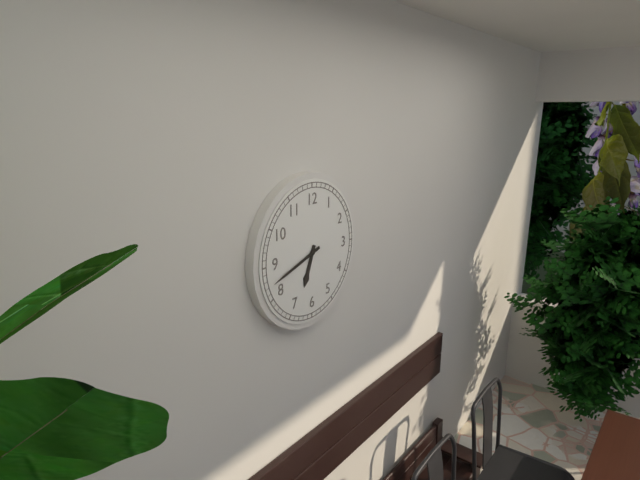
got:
6:42
